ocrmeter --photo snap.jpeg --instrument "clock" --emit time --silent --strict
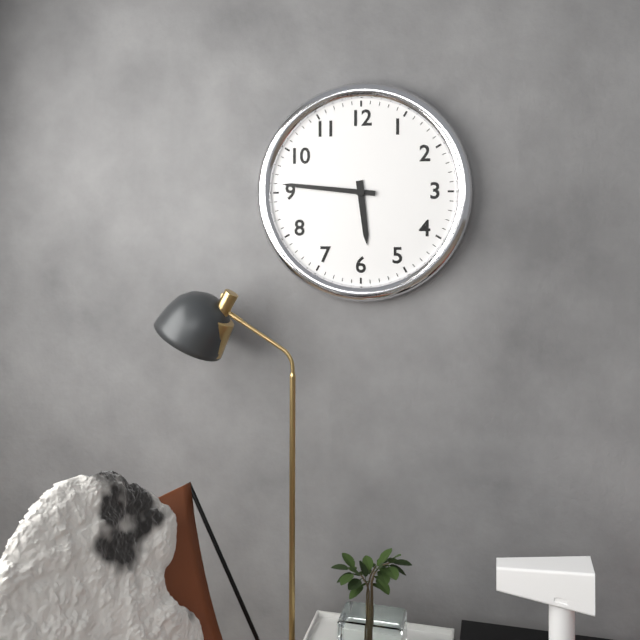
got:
5:46
